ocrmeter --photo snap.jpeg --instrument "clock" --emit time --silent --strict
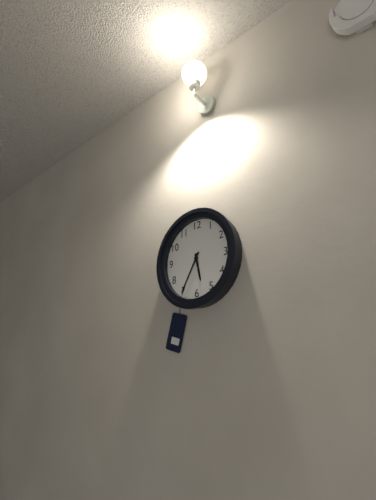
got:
5:35
